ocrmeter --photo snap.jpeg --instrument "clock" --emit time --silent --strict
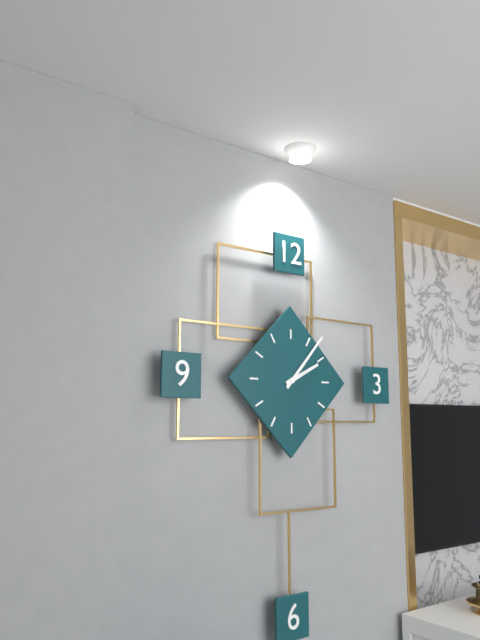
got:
2:07
